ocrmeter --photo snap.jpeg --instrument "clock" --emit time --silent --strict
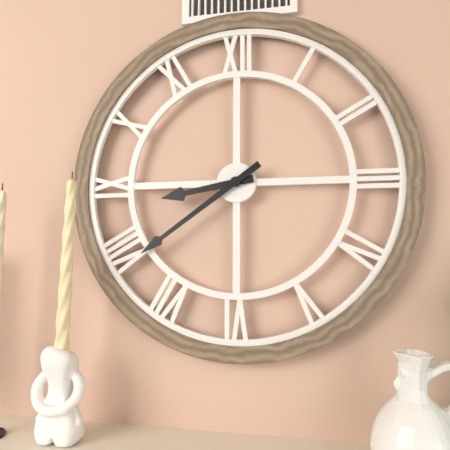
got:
8:39
